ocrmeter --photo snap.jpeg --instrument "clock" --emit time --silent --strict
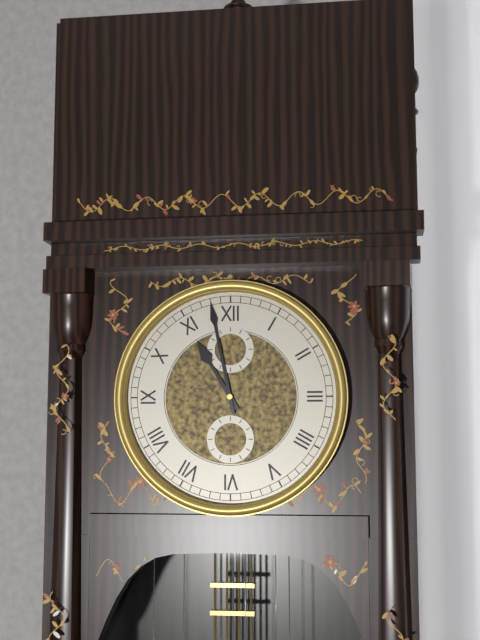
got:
10:58
